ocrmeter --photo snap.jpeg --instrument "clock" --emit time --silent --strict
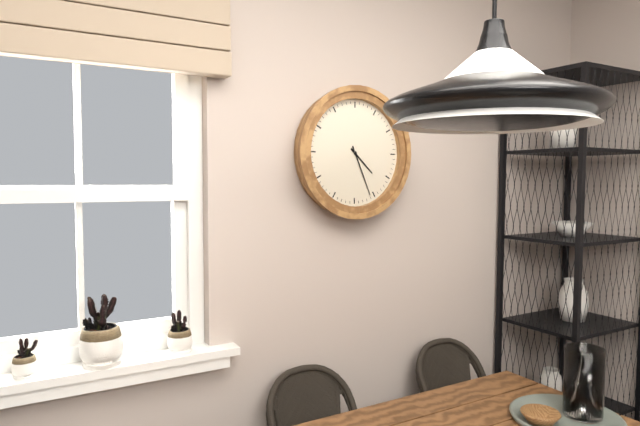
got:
4:26
